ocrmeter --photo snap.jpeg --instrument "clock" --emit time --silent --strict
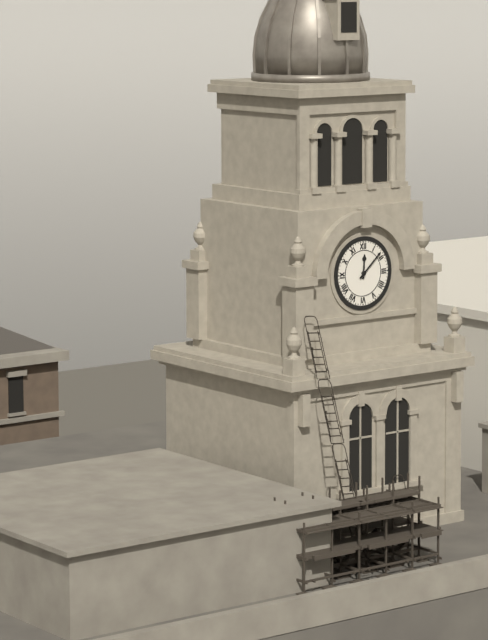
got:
12:08
